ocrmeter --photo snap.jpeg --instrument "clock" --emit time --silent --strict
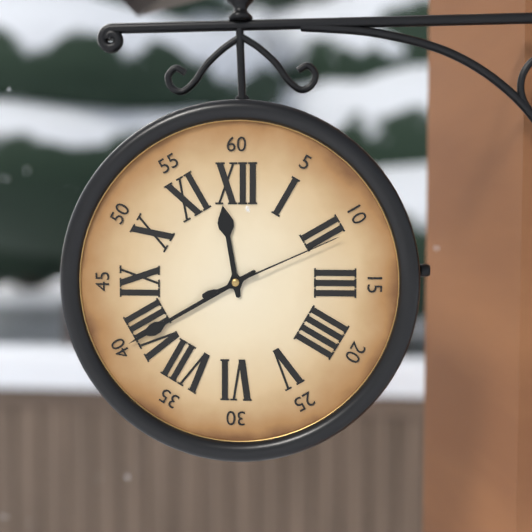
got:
11:40:11
